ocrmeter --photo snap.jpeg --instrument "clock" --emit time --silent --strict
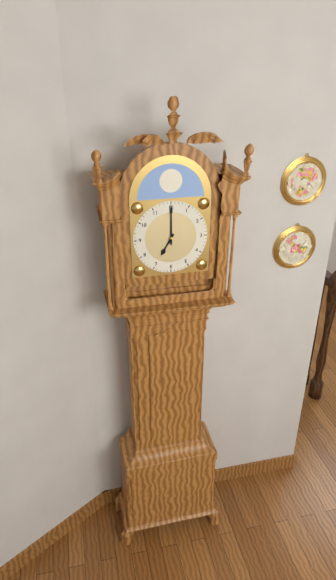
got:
7:00
